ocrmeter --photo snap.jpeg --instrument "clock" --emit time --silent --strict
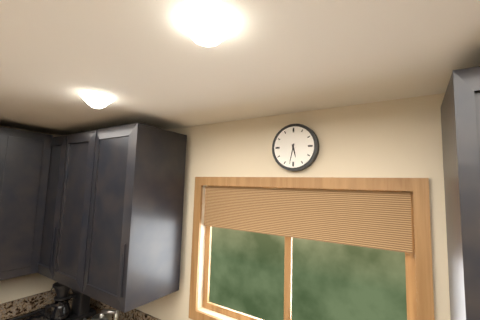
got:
5:32
